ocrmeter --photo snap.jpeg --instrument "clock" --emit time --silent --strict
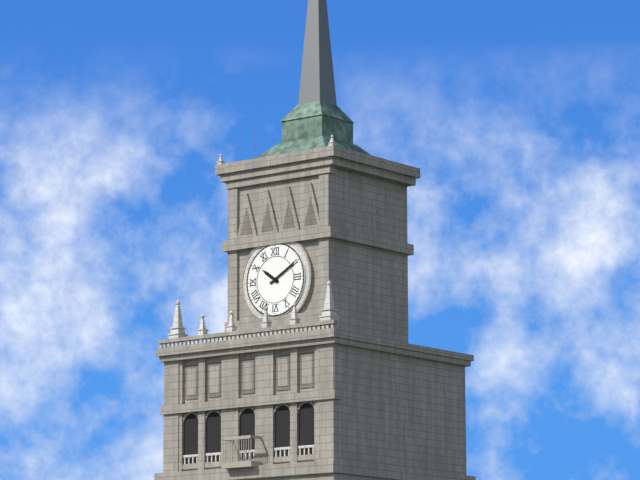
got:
10:10
